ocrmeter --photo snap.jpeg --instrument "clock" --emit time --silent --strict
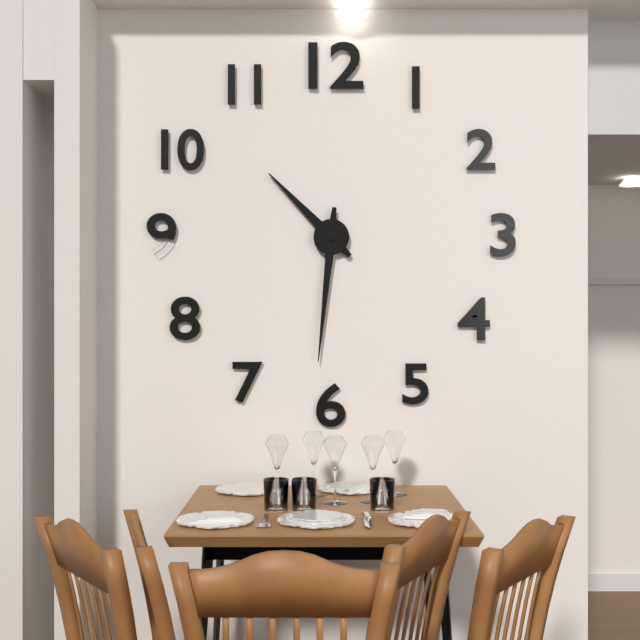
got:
10:31
